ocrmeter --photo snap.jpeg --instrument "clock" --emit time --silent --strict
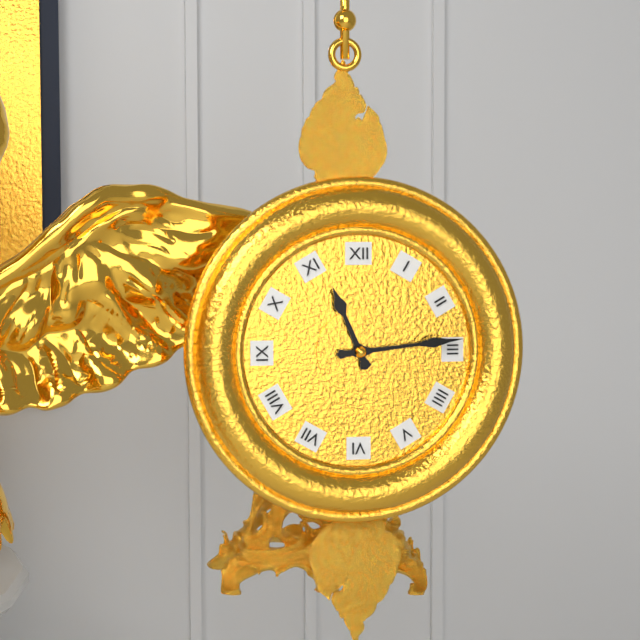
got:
11:14
